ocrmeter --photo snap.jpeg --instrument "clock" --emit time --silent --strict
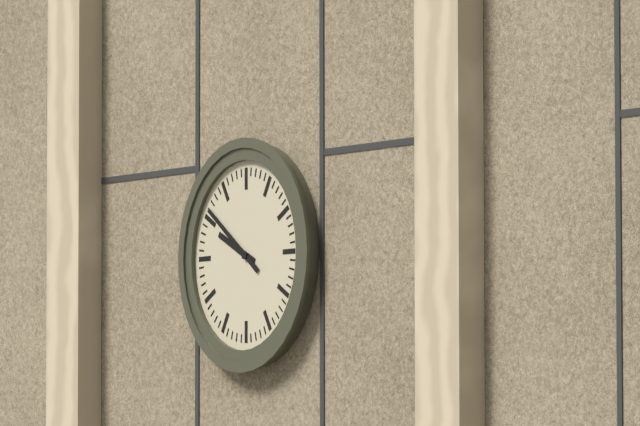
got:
9:51
